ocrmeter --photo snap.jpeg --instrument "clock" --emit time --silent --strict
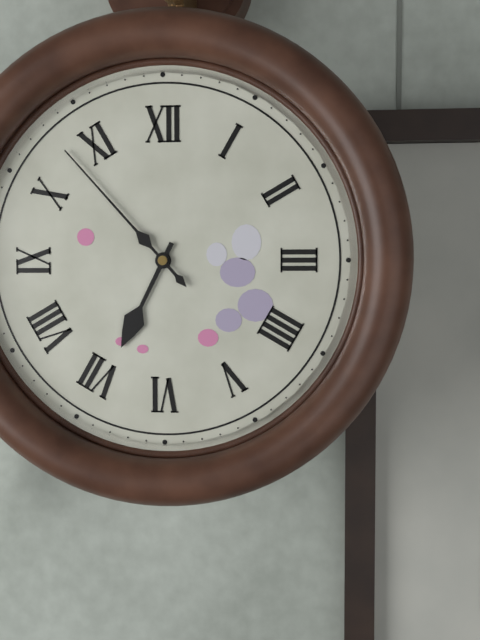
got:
6:53
